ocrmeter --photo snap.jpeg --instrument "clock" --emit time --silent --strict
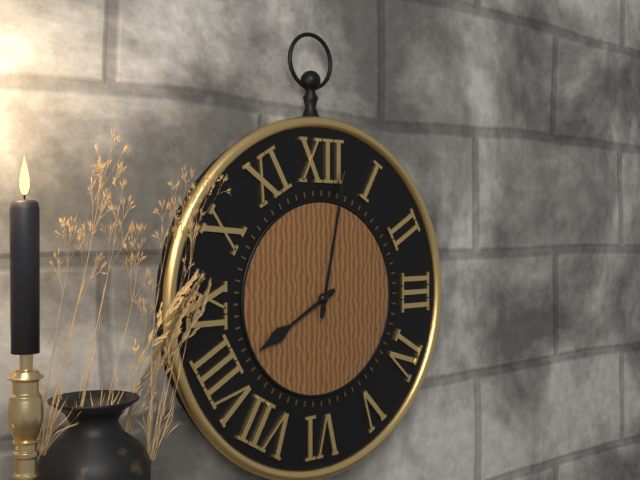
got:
8:02
